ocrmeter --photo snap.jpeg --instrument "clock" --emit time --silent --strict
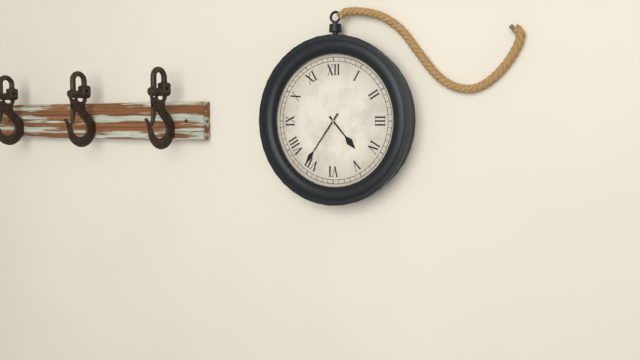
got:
4:36
